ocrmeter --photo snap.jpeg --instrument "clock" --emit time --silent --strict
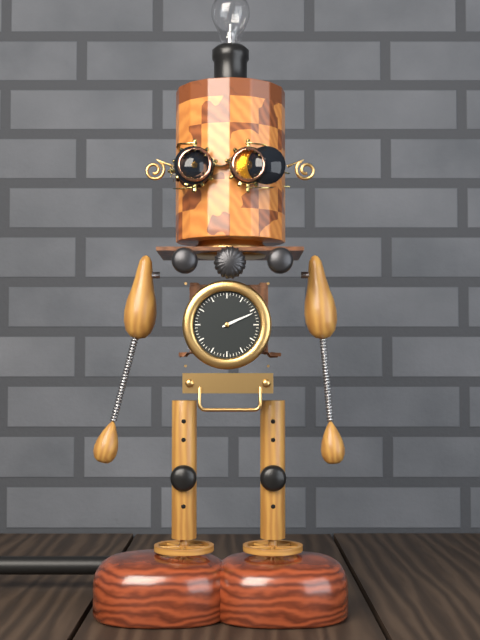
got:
2:11
